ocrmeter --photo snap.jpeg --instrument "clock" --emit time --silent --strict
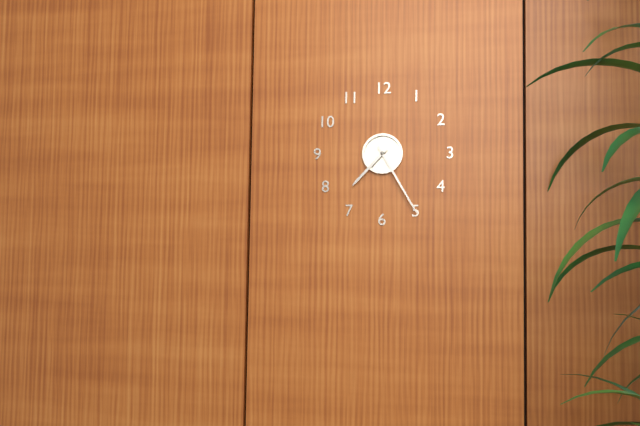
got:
7:25
